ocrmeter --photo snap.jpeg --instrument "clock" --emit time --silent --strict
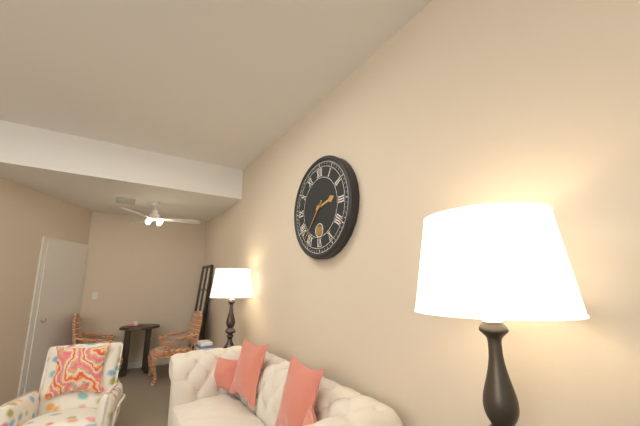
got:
2:37
